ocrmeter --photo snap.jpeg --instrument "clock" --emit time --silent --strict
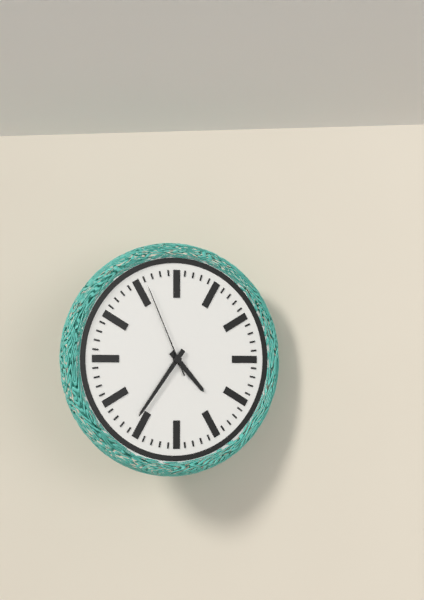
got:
4:36:56
